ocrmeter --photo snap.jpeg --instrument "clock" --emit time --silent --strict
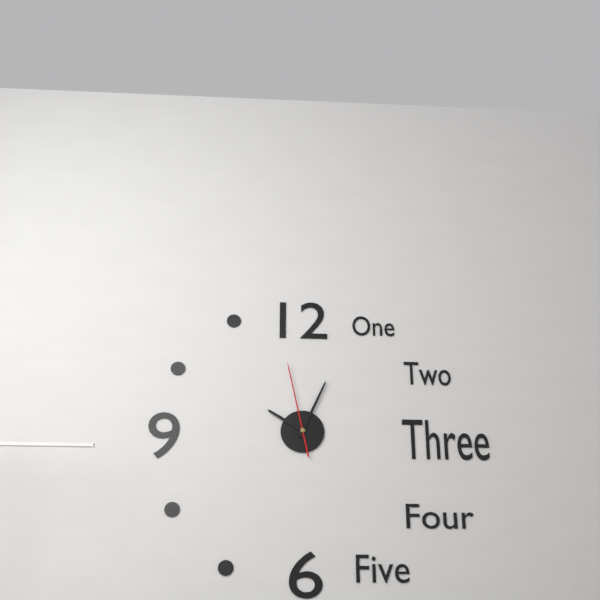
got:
10:04:58
